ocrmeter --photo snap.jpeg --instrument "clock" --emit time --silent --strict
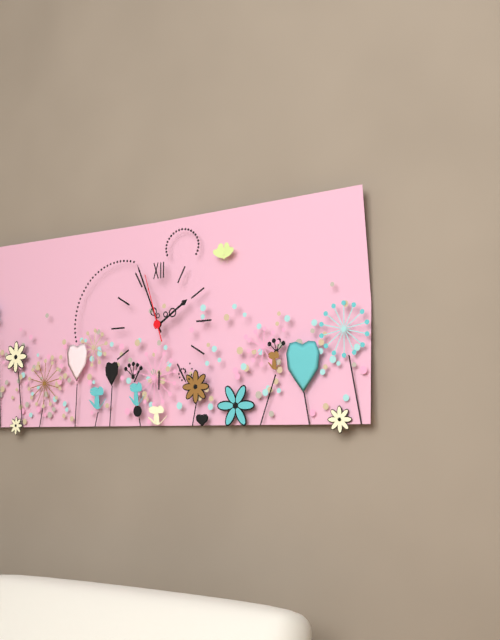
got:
1:56:57
